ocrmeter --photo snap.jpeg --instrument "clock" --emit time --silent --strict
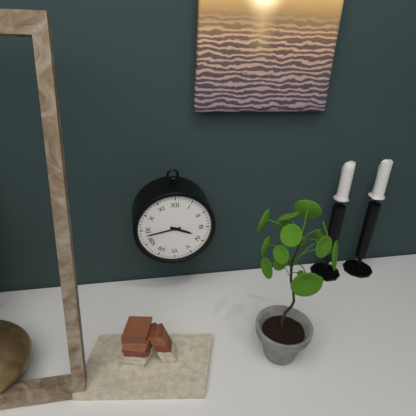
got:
3:43
